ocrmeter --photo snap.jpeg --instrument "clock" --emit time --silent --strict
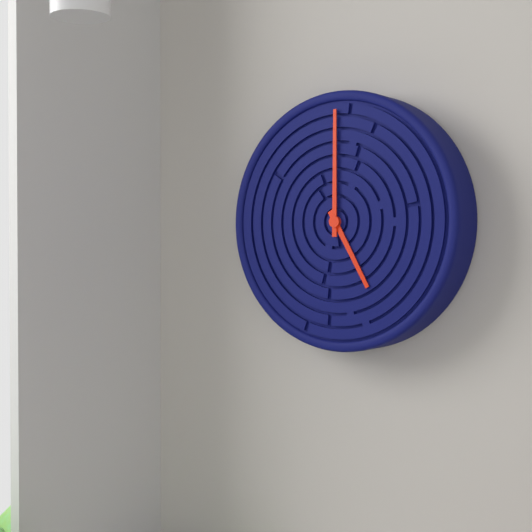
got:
5:00
